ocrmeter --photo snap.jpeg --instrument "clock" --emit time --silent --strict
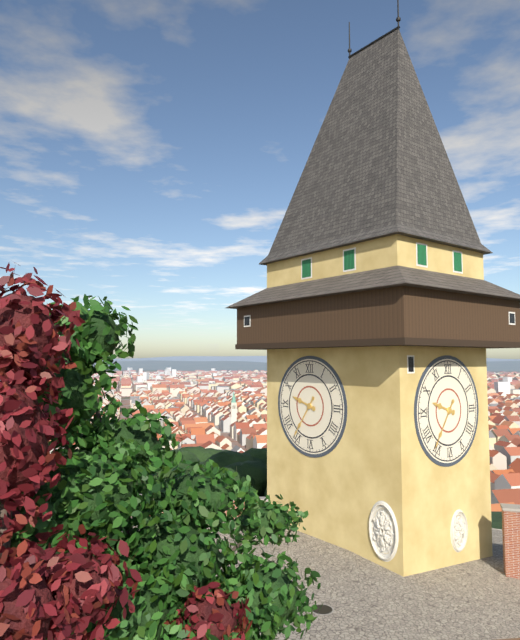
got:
9:36
